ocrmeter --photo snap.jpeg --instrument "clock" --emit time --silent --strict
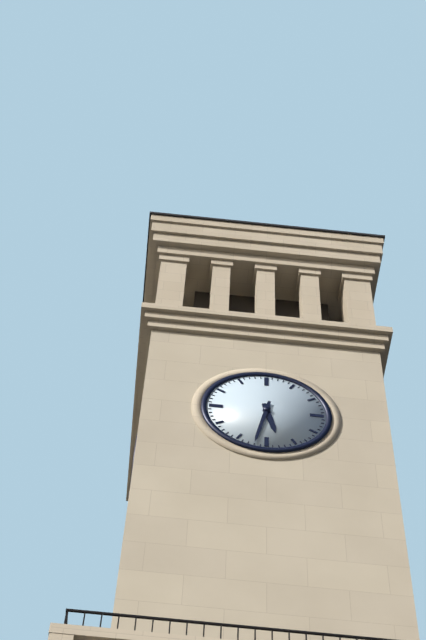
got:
5:32
